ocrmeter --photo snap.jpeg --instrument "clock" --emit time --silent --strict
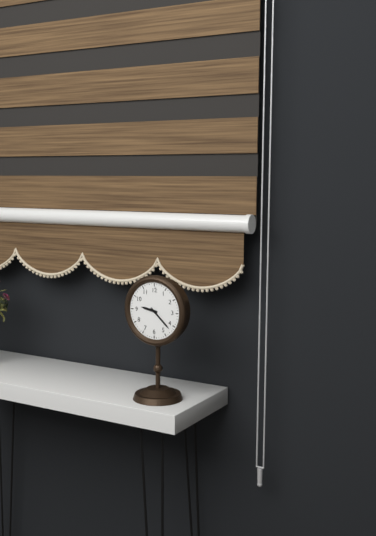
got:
9:22
